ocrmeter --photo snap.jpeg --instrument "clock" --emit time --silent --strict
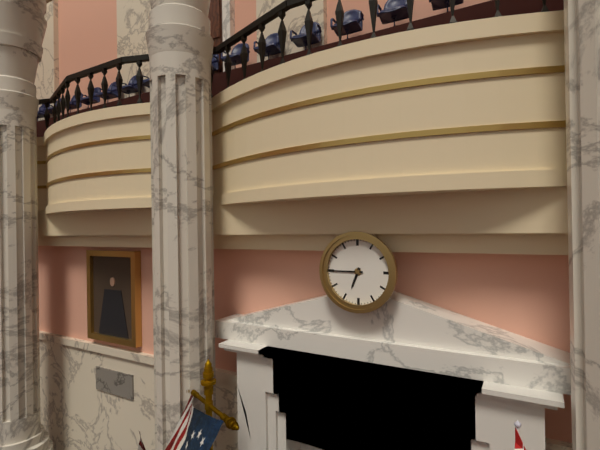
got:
6:45
